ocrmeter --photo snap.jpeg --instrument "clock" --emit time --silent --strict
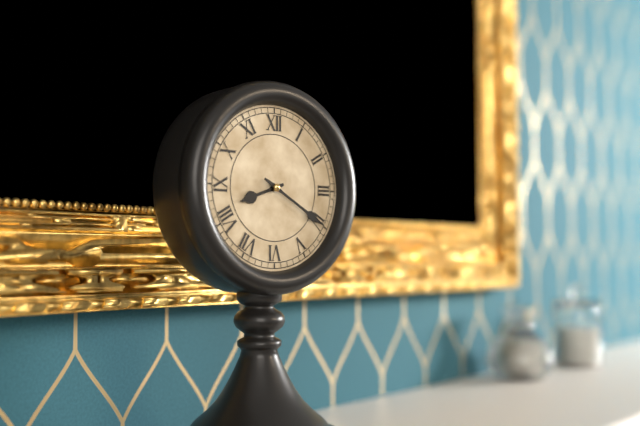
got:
8:20
